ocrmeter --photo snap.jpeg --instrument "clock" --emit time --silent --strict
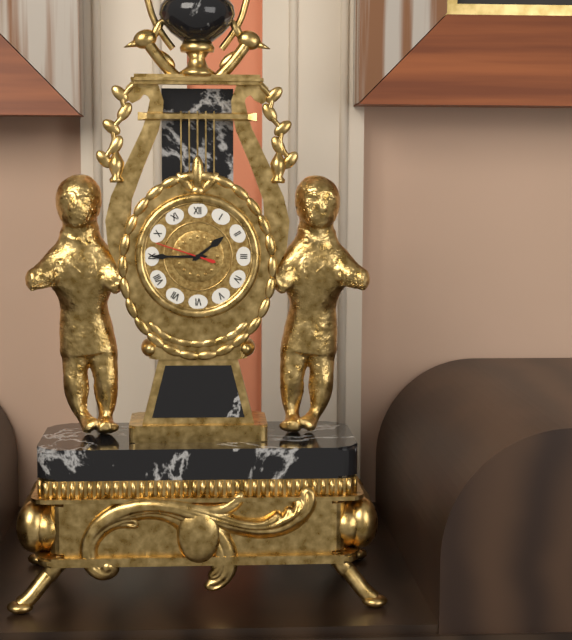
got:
1:45:48
